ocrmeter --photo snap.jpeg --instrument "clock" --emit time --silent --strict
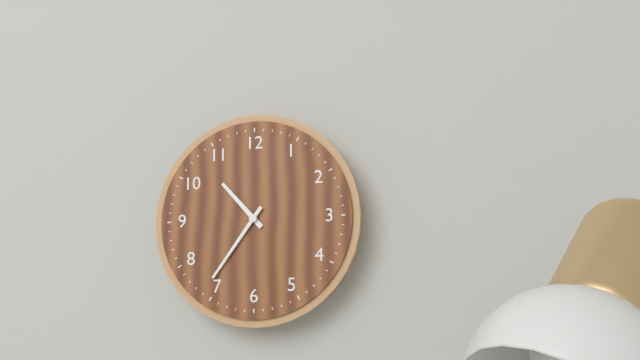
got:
10:36
